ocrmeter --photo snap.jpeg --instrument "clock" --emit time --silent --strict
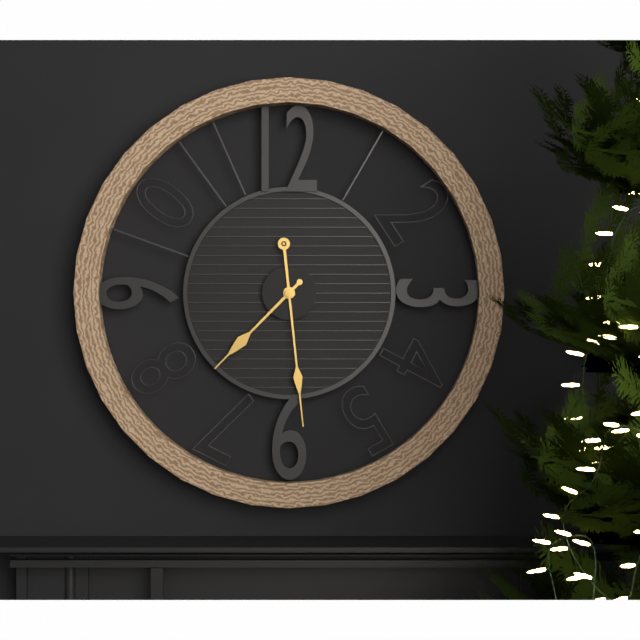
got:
7:29
